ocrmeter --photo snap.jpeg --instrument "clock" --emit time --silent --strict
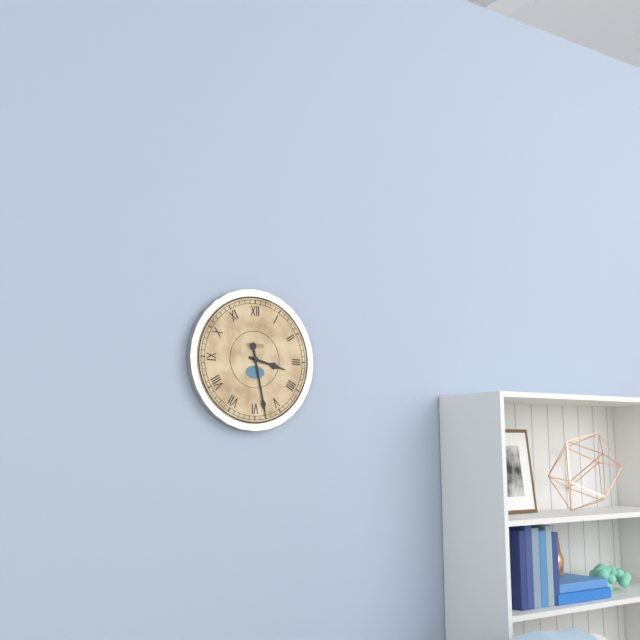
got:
3:28
